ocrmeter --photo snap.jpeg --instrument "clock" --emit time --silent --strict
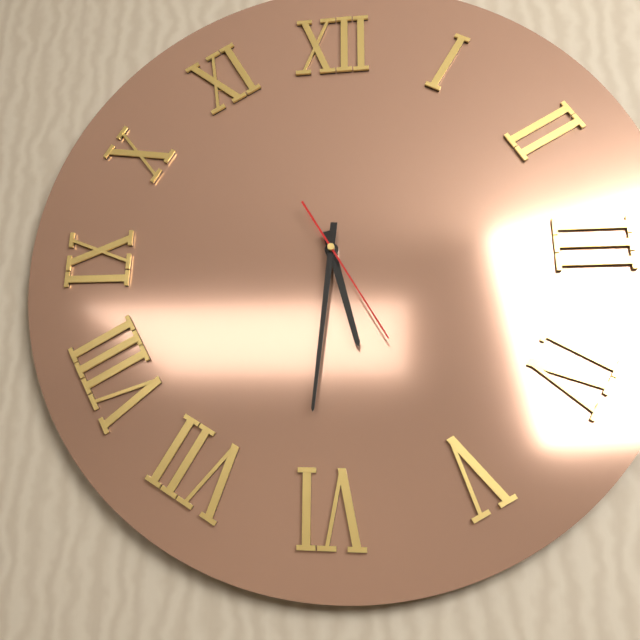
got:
5:31:25
